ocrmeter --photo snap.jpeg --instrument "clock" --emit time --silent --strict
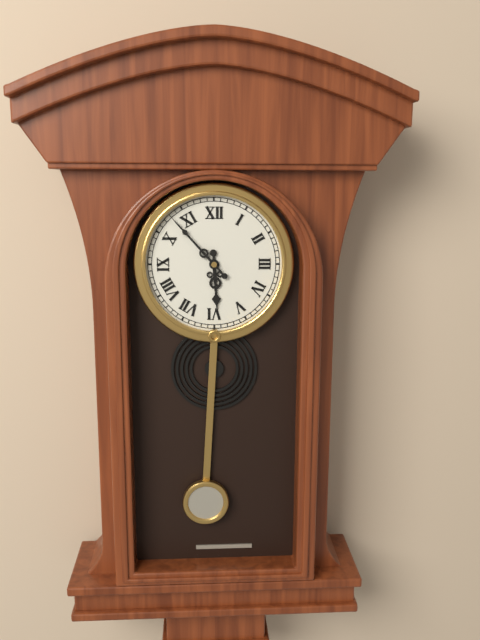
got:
5:53
